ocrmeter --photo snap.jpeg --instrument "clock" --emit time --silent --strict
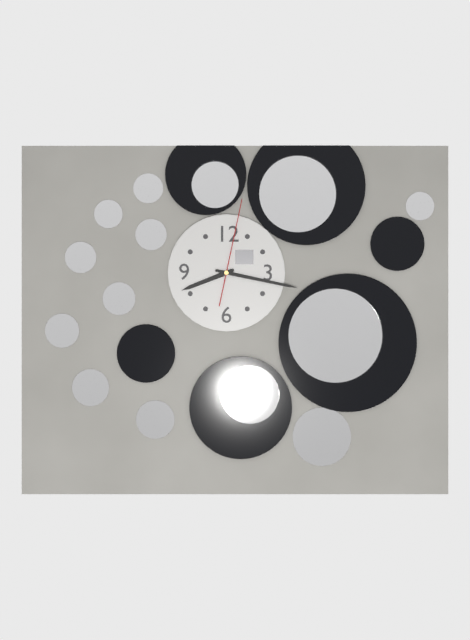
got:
8:17:02
